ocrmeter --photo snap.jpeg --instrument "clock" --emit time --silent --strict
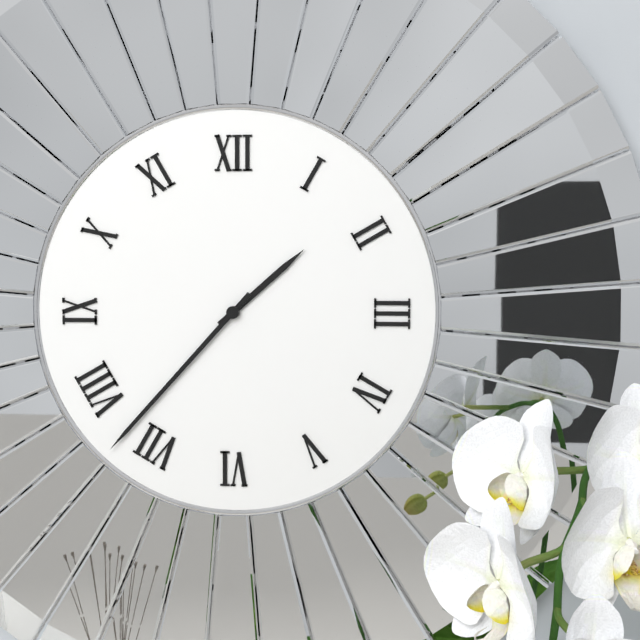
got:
1:37
